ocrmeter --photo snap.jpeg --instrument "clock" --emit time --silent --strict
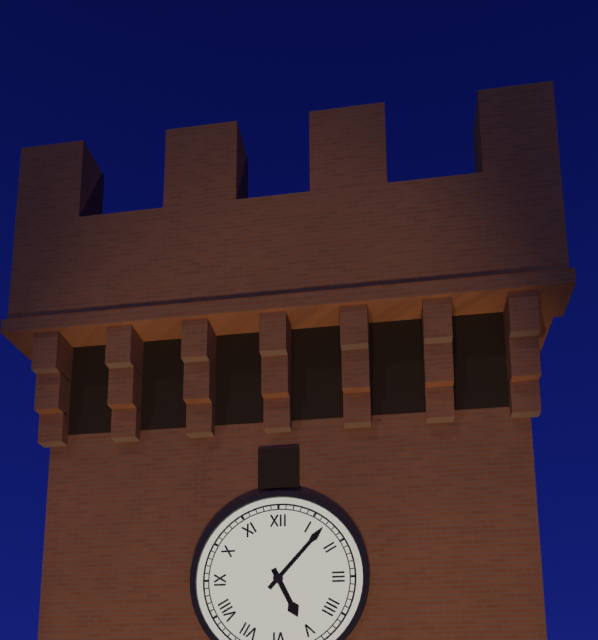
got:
5:07
